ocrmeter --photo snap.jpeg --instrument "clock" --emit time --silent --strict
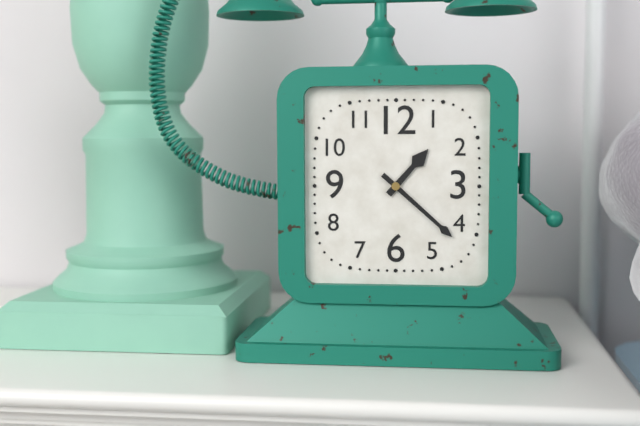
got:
1:22
